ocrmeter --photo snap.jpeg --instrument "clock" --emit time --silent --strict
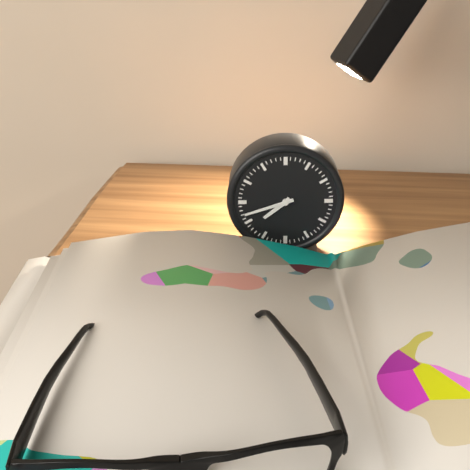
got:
7:42
